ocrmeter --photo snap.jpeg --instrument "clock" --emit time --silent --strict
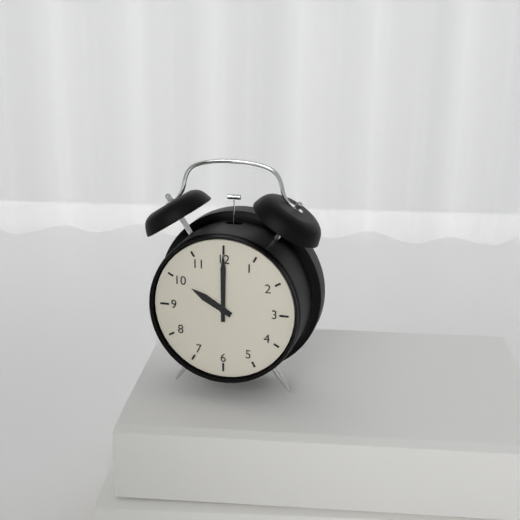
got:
10:00
